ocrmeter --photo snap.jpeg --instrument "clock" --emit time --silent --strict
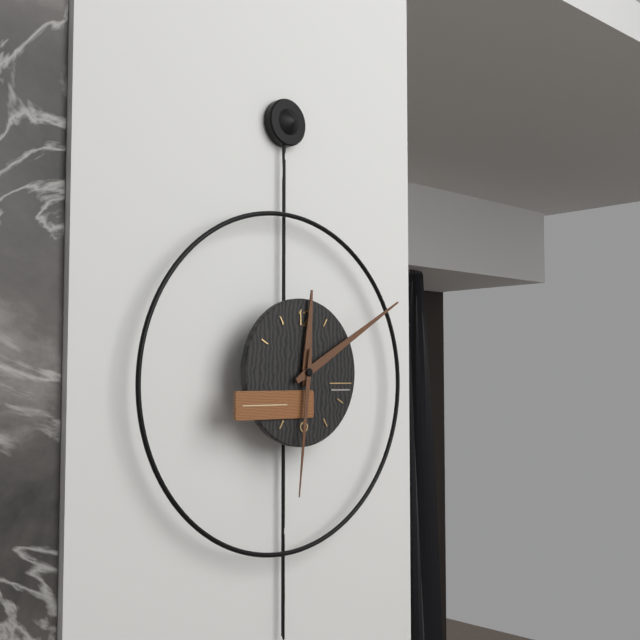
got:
12:10:31
